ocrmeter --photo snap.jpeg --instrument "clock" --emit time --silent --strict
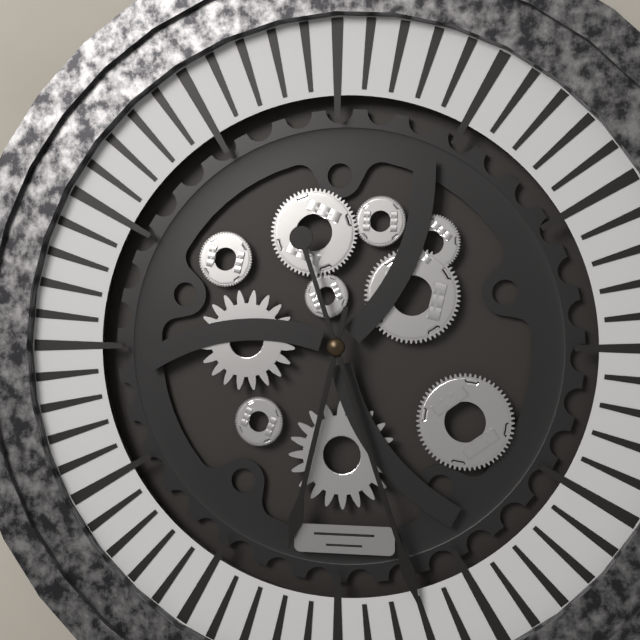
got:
6:27
